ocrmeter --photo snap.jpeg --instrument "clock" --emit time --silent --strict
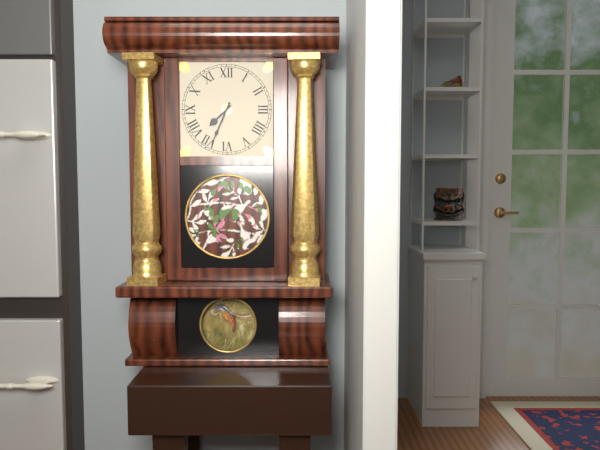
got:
7:34
